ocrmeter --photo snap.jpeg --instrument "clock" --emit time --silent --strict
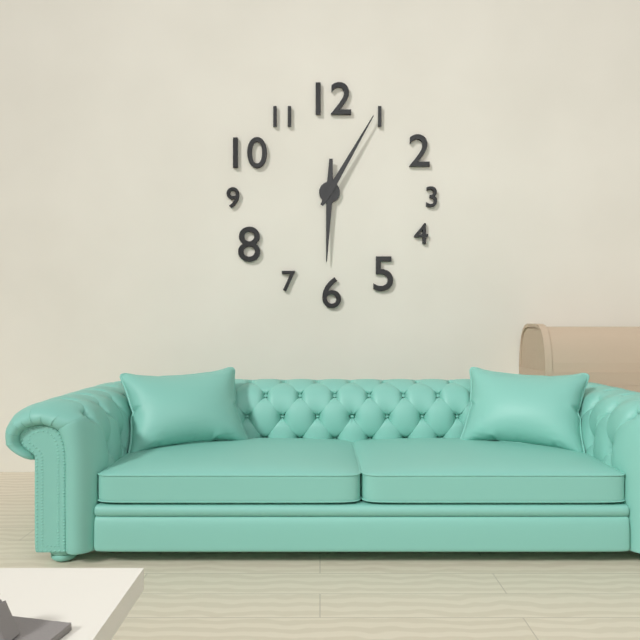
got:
6:05
